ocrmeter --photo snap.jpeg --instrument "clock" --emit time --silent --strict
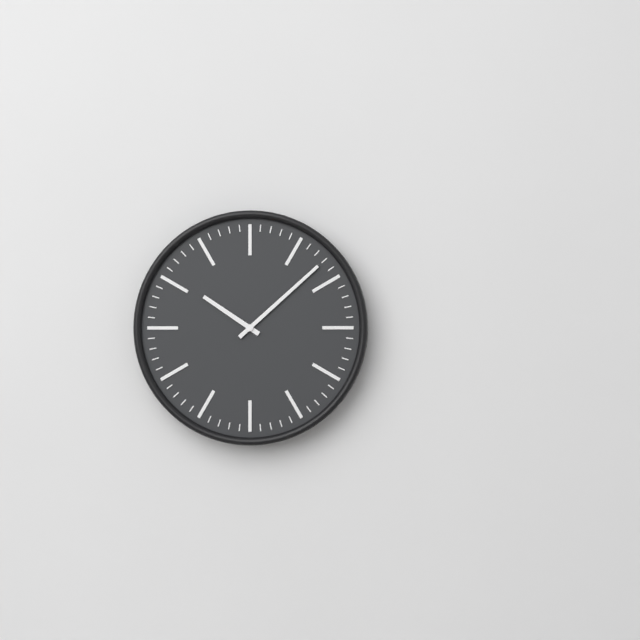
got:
10:08
